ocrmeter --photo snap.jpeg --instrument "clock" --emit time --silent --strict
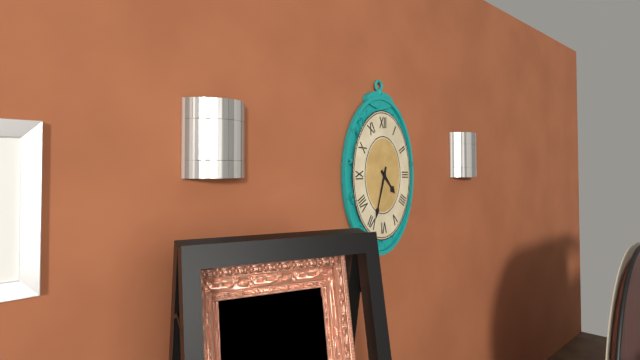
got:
4:33
